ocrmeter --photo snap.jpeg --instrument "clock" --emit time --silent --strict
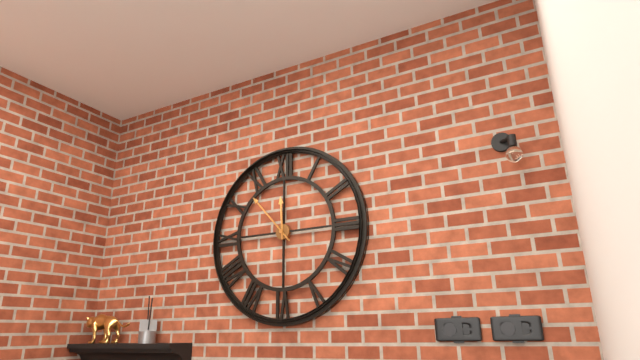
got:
11:53
